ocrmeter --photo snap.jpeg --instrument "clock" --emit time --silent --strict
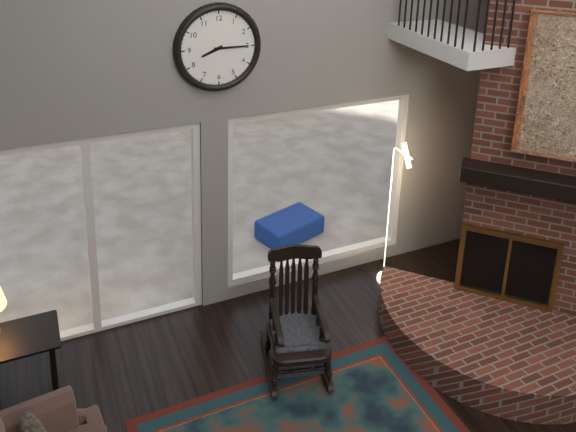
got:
8:15
